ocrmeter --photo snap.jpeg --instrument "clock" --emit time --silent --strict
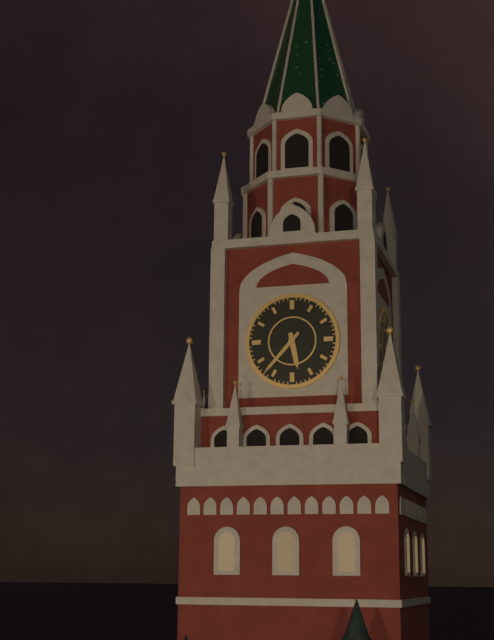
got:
5:37
